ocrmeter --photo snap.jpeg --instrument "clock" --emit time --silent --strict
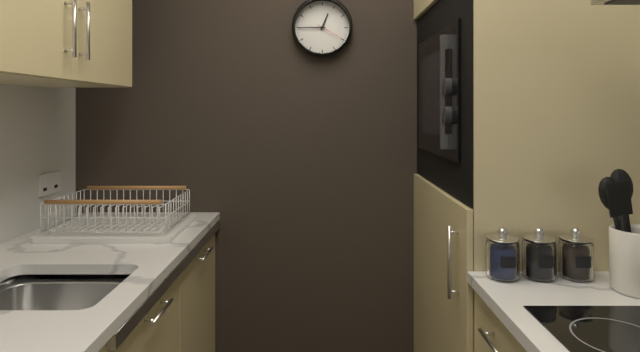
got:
12:45
